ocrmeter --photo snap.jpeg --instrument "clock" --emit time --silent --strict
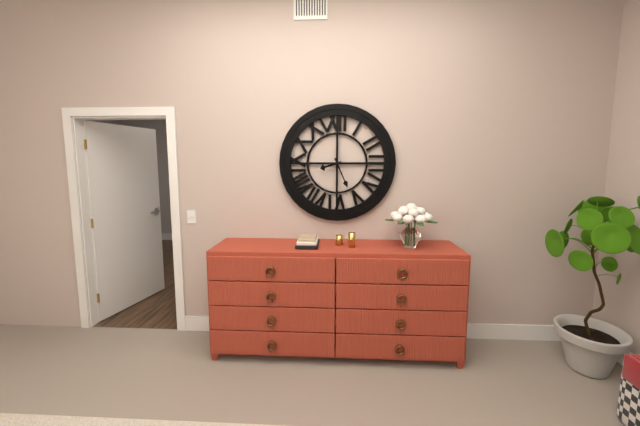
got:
8:26
